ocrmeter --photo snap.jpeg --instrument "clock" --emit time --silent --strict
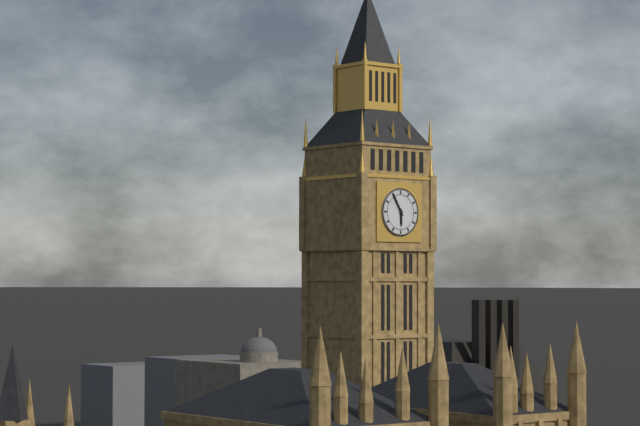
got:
5:55
